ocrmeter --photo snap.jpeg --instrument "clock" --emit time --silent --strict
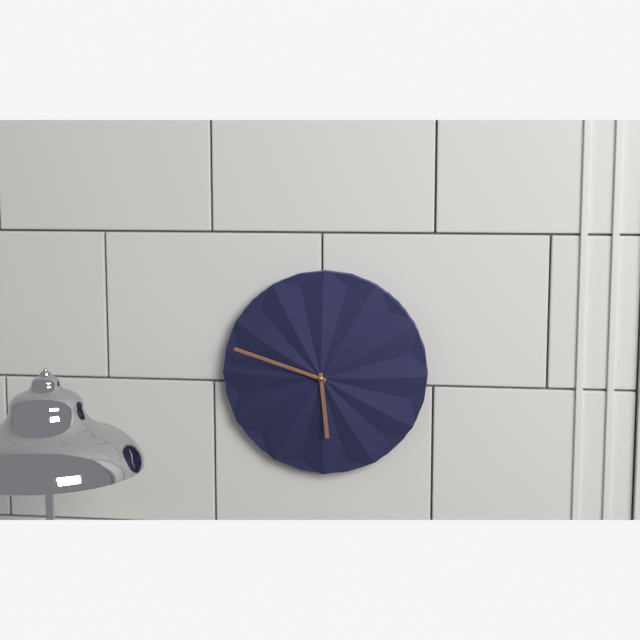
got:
5:48
